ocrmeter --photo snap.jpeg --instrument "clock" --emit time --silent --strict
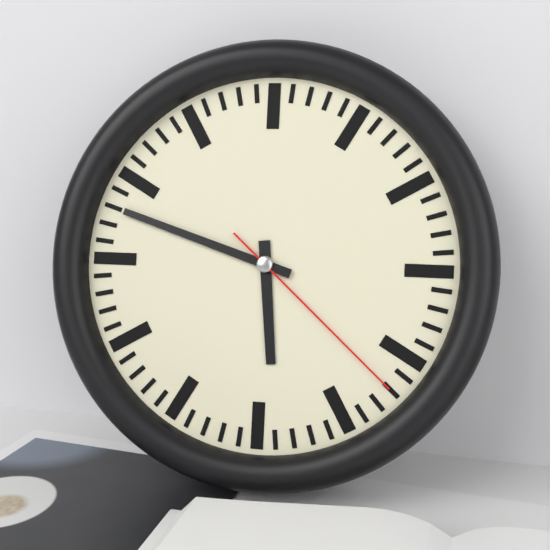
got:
5:48:22
